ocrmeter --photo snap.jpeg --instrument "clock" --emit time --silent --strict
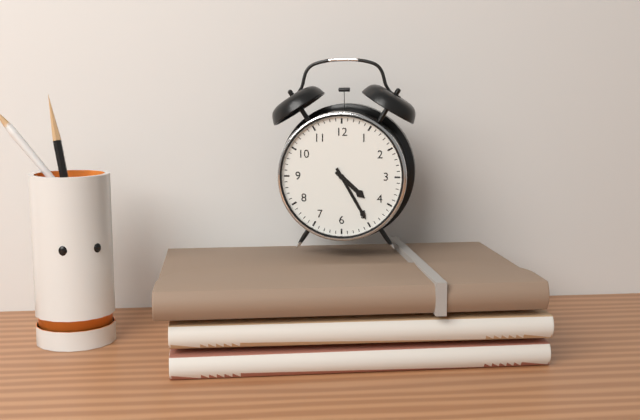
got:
4:25
